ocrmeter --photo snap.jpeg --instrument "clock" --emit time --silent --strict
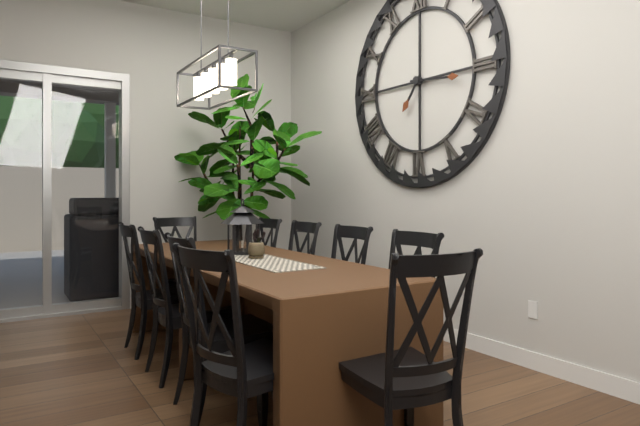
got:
7:16
